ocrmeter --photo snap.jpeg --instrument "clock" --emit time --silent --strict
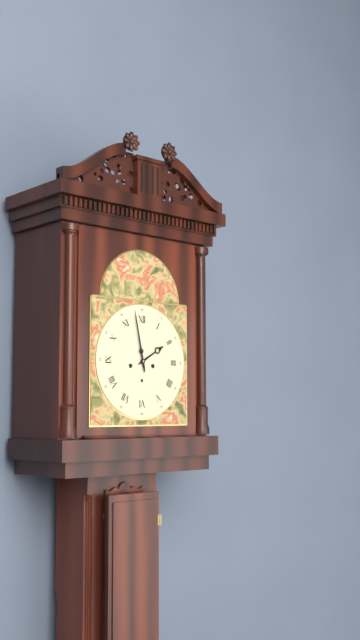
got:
1:58
